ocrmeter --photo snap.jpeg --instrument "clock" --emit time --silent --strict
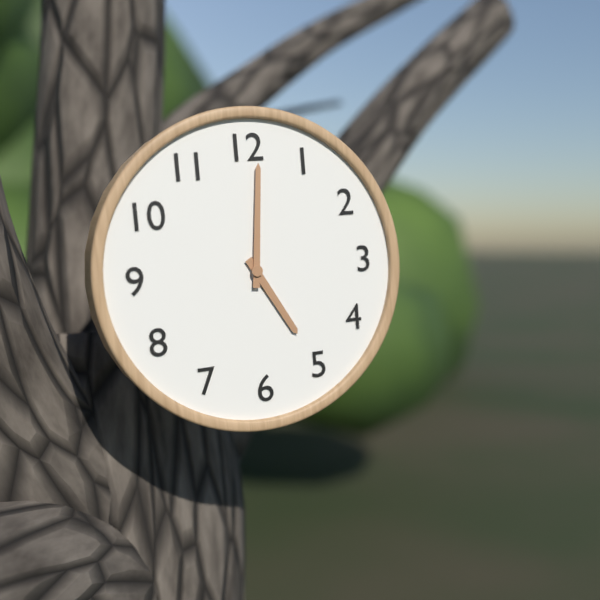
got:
5:01
